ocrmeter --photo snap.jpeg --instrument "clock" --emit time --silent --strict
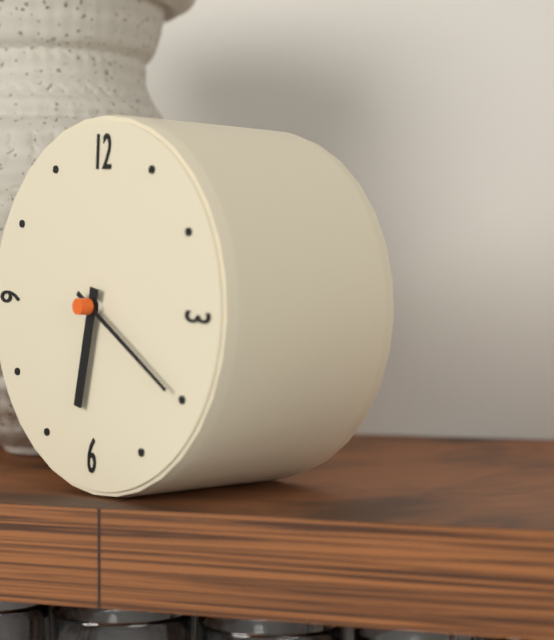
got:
6:20
